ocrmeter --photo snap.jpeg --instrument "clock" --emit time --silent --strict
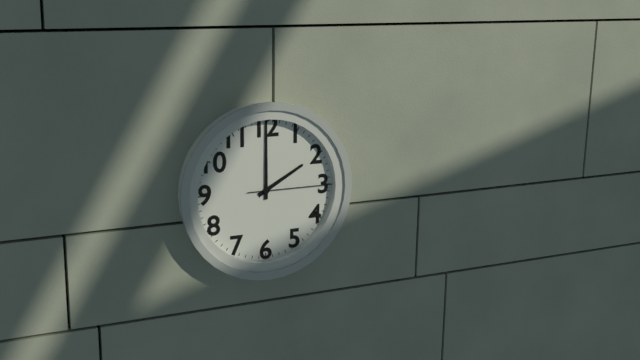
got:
2:00:15
